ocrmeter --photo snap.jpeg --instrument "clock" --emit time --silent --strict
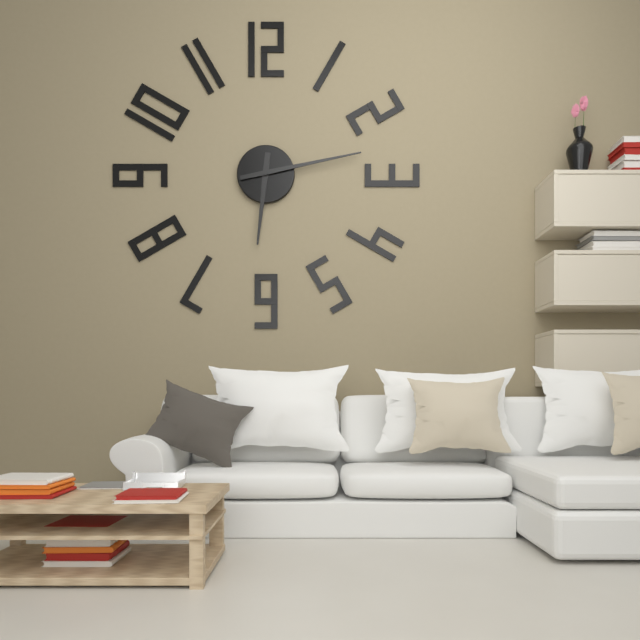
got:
6:13
